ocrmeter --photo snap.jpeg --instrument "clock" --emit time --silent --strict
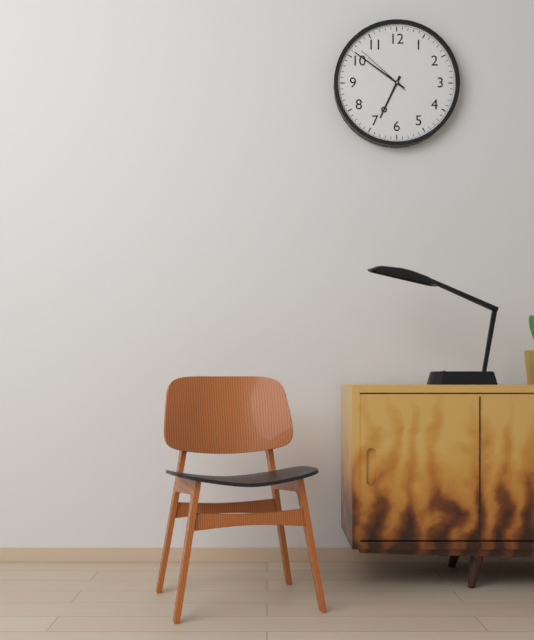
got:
6:51:52
